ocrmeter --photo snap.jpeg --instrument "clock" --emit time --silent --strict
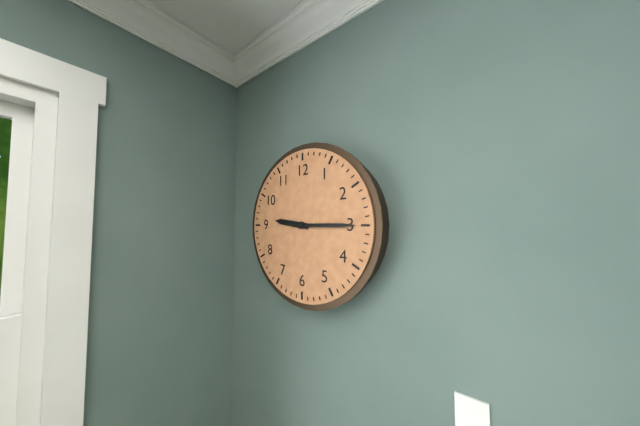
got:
9:15
